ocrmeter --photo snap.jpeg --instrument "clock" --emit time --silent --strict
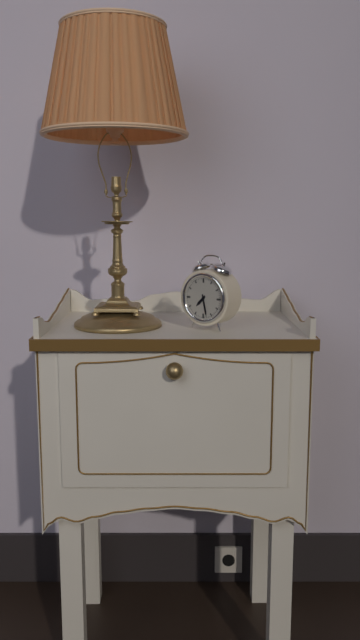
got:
7:28
